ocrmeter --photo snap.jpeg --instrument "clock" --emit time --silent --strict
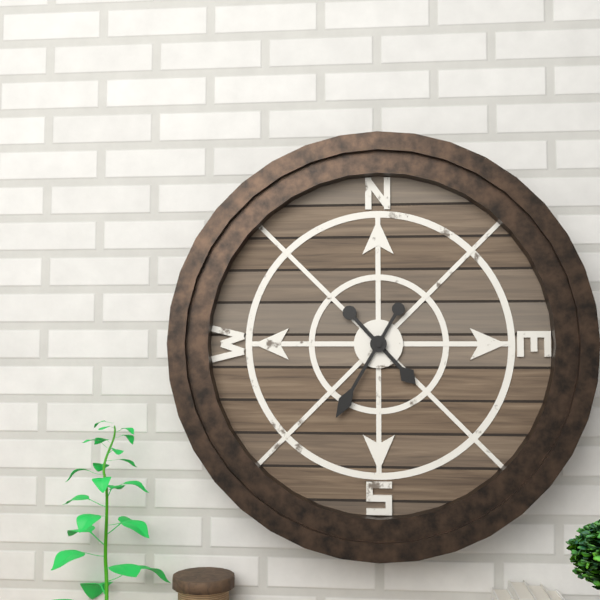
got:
4:35
